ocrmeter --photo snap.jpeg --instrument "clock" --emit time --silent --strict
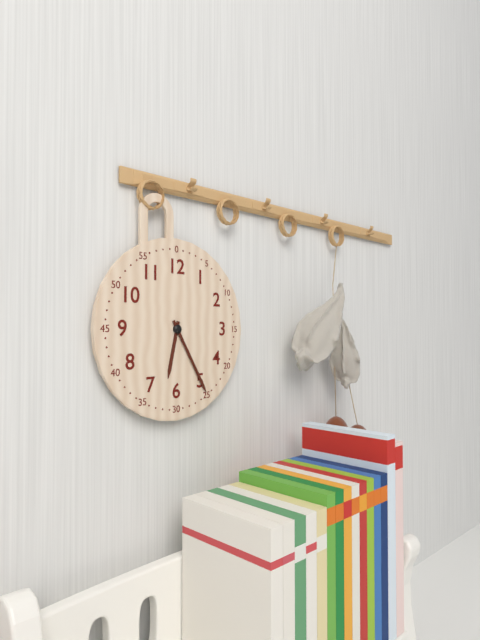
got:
6:25
